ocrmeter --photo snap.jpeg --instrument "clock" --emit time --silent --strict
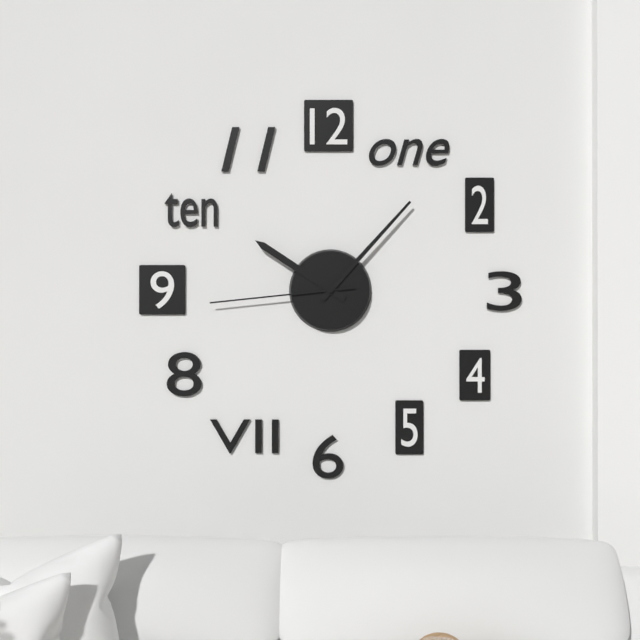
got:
10:07:44
